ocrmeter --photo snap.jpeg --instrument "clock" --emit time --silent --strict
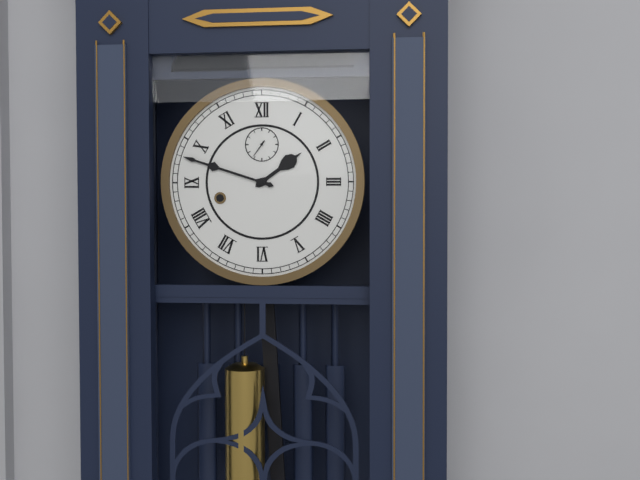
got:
1:48
